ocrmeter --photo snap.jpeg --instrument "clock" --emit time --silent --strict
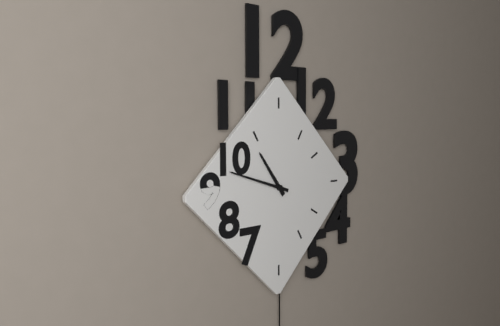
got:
10:48
